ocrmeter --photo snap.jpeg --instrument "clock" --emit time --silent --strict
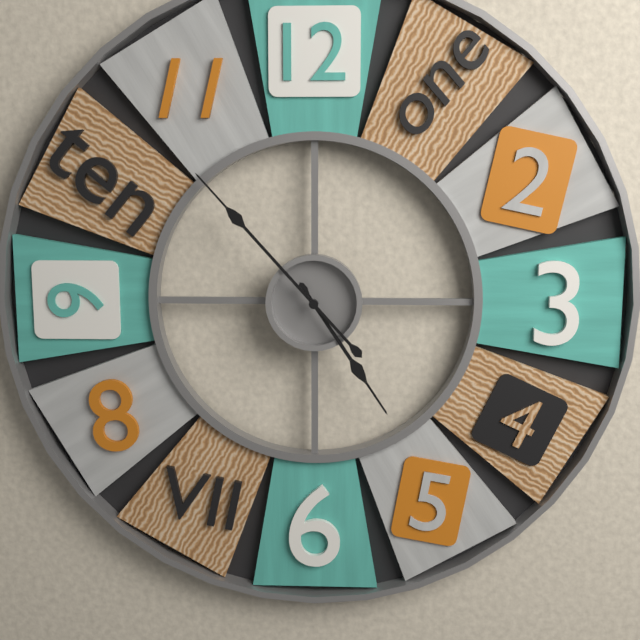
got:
4:53
